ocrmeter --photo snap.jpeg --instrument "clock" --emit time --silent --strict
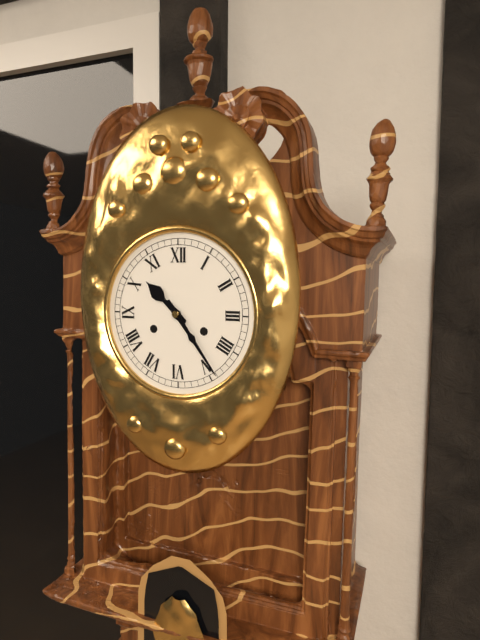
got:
10:24
